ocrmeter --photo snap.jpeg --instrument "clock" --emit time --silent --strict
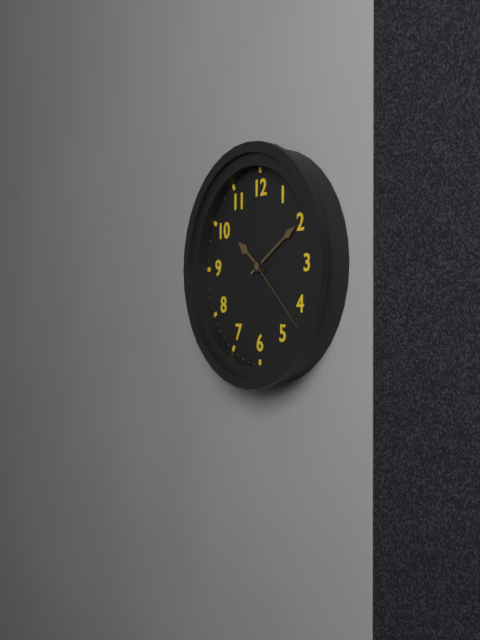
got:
10:10:22
